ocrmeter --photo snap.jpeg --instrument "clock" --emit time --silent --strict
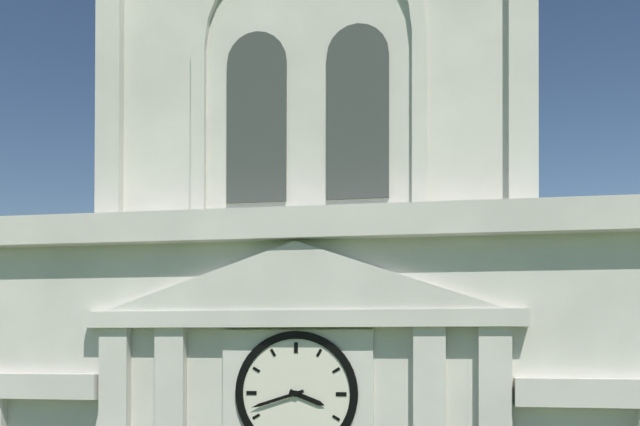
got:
3:42
